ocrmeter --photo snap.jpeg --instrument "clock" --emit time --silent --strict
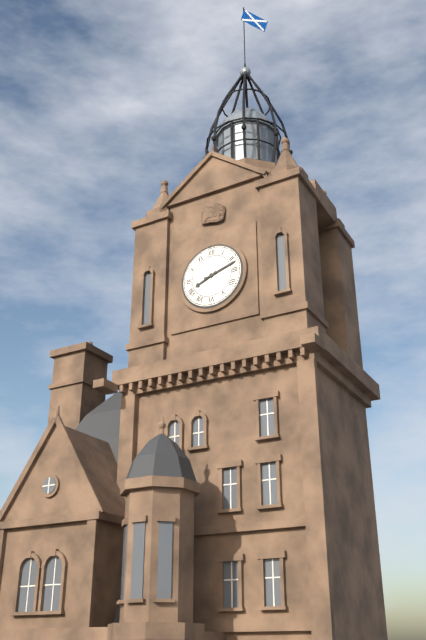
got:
8:12
